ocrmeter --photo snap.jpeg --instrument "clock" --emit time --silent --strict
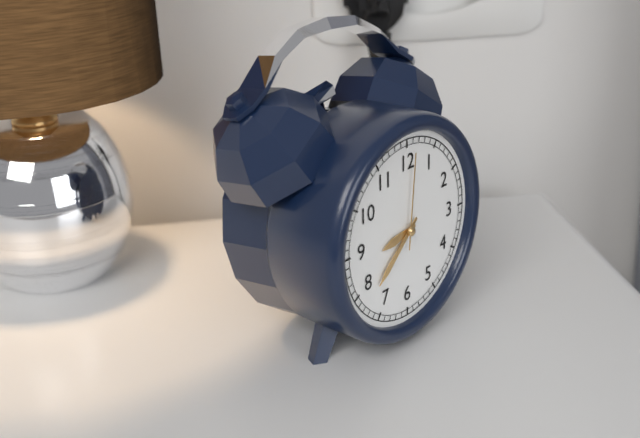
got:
8:38:01
